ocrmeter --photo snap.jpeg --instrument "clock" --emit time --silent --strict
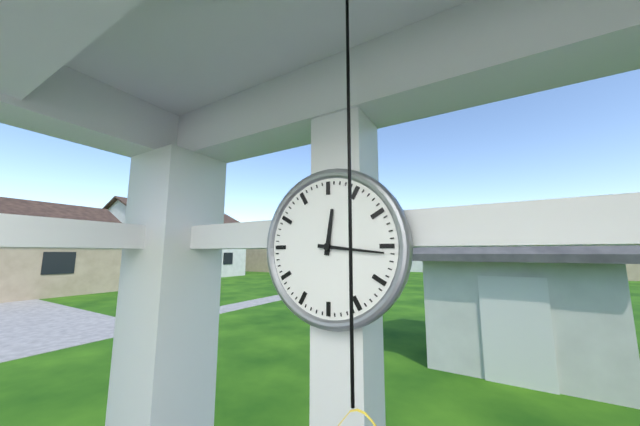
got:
12:16
